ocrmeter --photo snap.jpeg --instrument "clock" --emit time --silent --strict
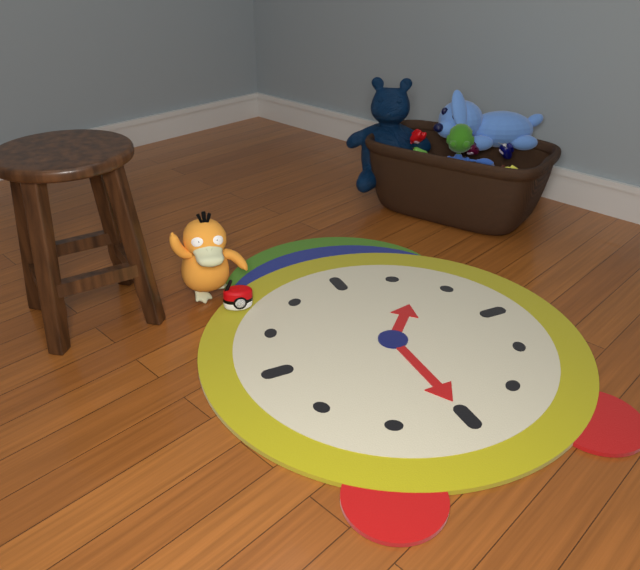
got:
1:30
